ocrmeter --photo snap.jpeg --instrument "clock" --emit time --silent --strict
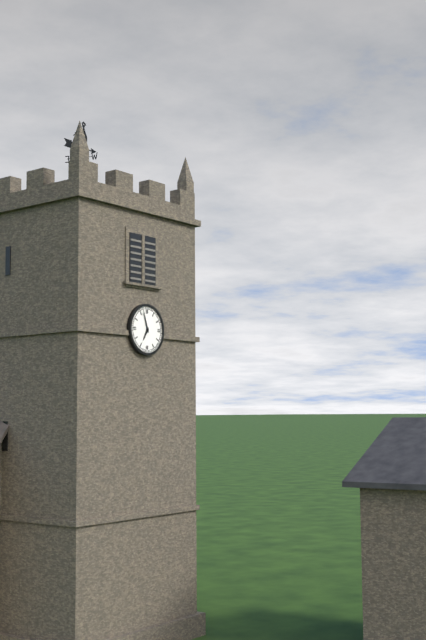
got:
6:57
